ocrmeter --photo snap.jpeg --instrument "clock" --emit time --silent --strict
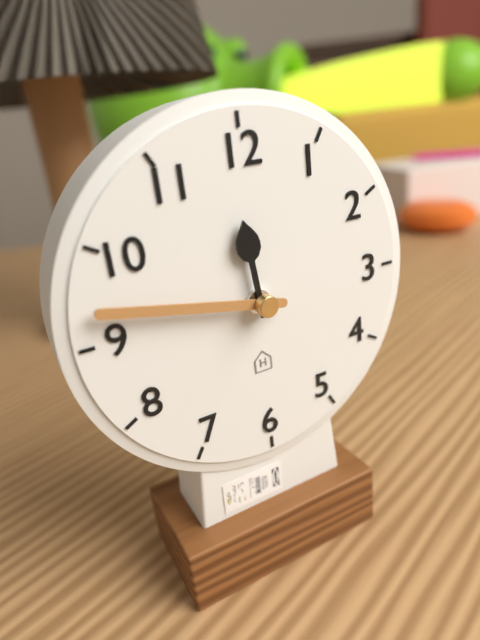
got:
11:47
